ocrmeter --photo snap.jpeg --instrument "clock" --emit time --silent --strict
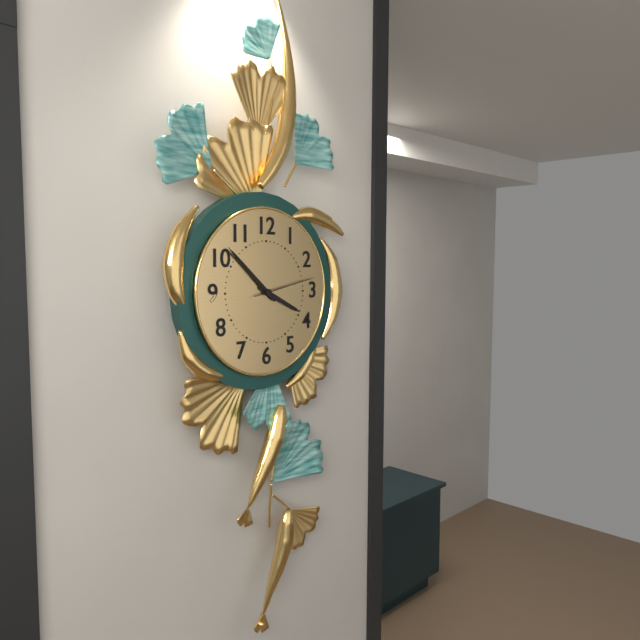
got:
3:52:13
